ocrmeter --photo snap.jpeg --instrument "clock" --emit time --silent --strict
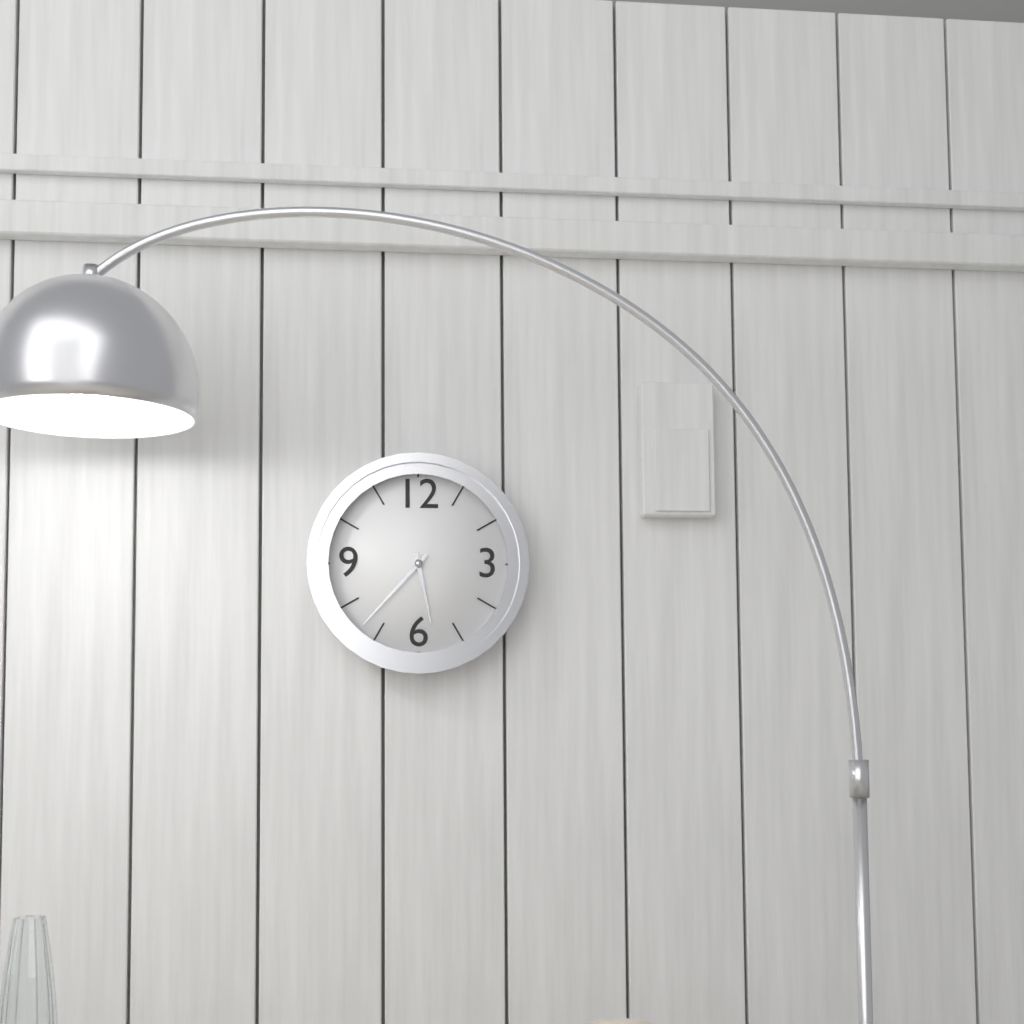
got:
5:37
